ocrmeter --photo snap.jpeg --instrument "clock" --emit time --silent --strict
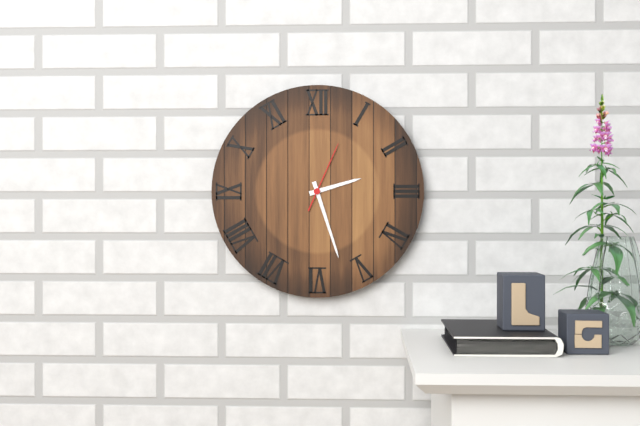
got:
2:27:04
